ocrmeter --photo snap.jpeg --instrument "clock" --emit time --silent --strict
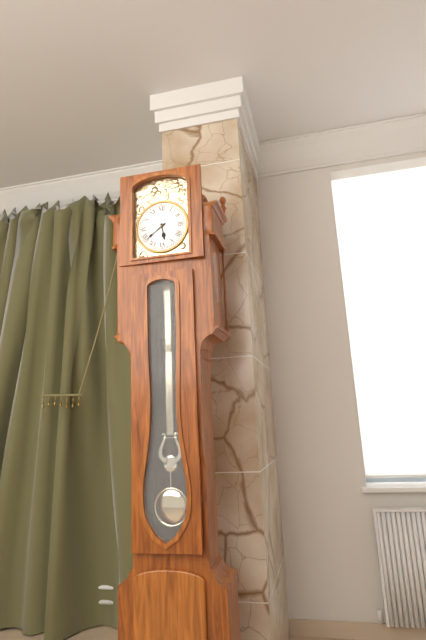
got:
5:39
